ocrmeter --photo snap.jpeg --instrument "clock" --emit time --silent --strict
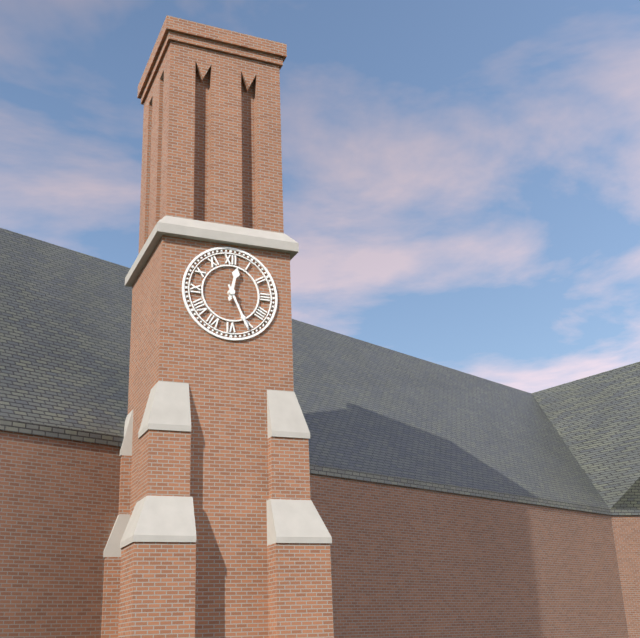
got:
12:26
